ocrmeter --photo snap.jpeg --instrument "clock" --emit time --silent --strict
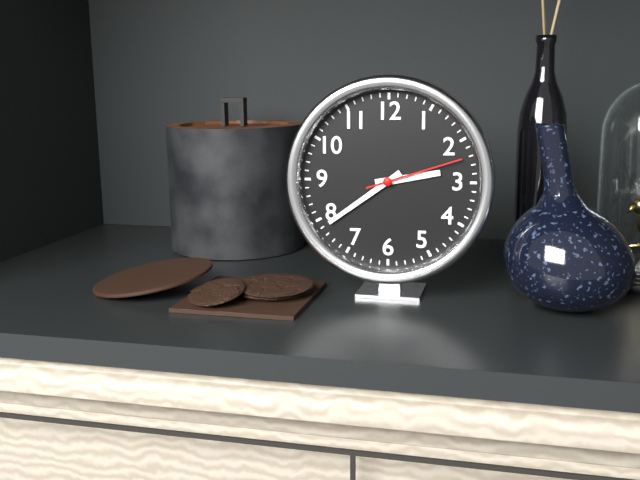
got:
2:39:12
